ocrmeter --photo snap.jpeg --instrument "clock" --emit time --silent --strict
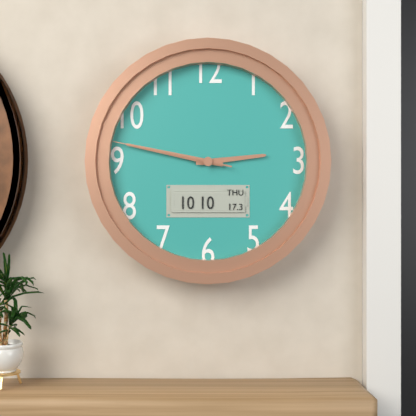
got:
2:47:47
